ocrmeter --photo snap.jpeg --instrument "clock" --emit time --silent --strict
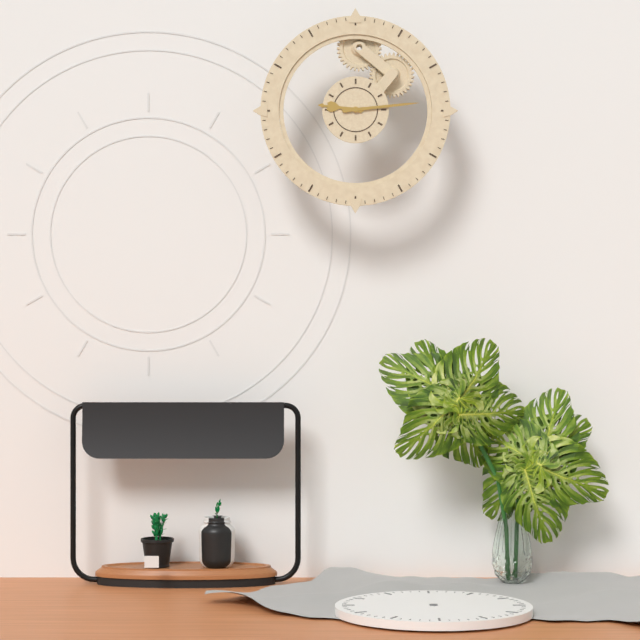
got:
9:14
